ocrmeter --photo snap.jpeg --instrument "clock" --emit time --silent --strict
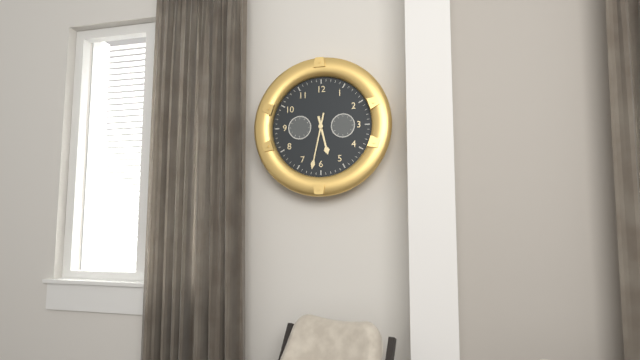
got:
5:32
